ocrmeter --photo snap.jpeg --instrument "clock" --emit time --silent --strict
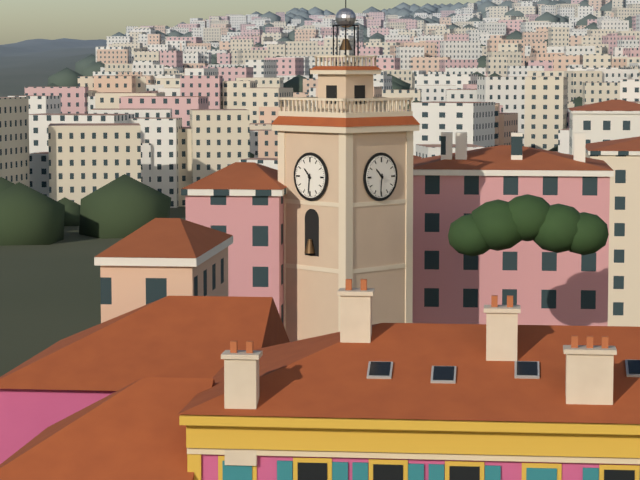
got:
10:31
